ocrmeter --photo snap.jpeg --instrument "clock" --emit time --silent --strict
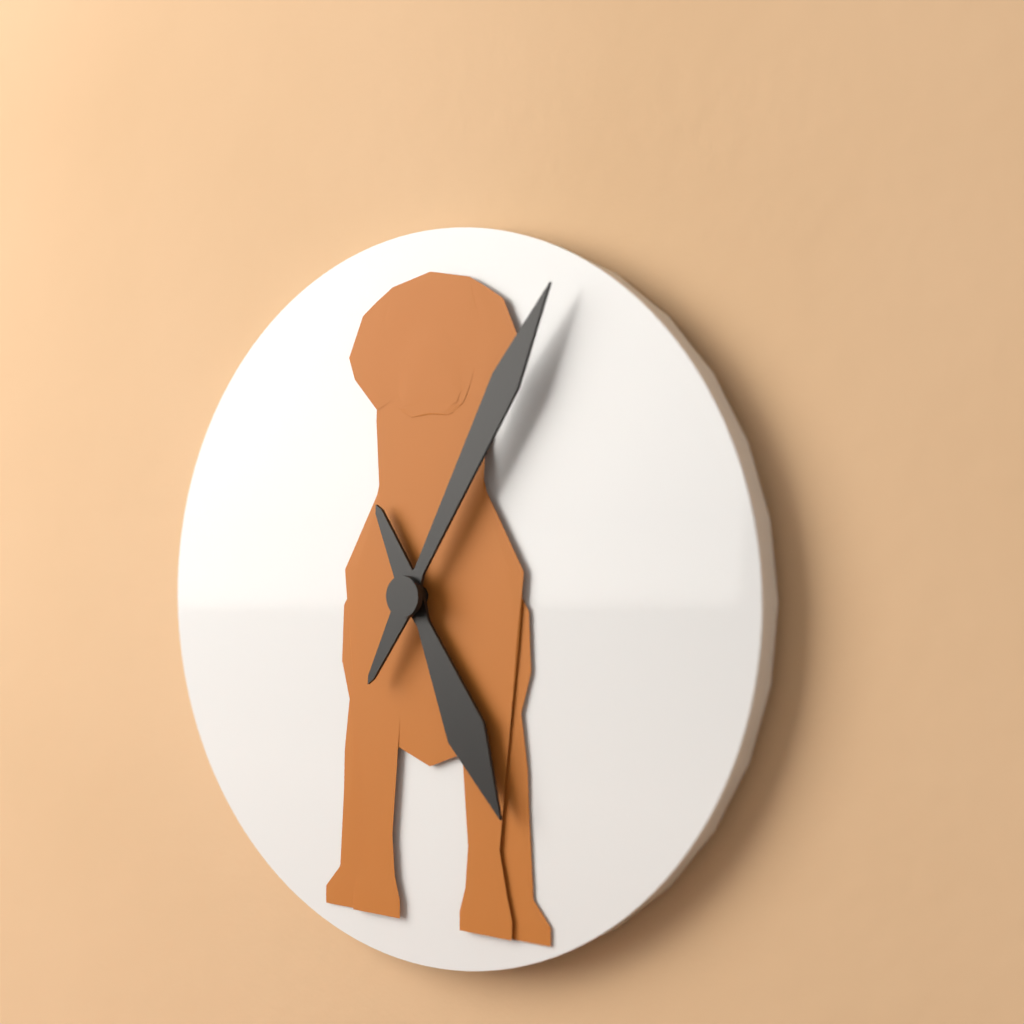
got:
5:05
